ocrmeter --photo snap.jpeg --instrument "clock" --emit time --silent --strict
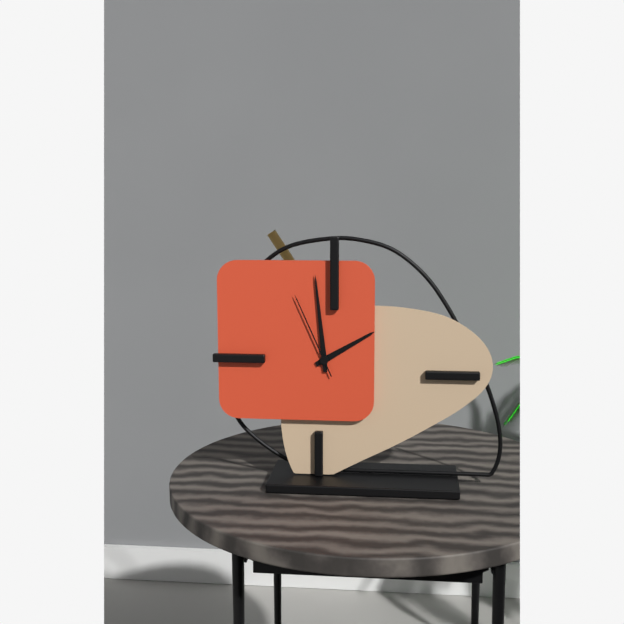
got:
1:59:56
